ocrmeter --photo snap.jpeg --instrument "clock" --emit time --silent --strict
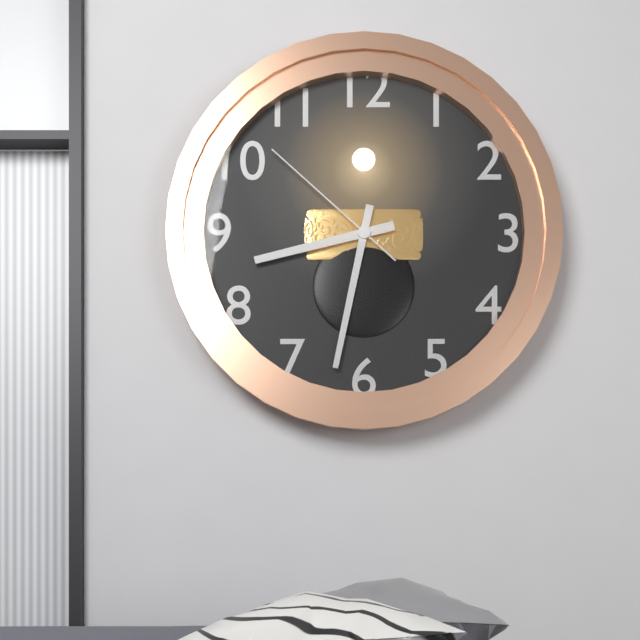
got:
8:32:52
